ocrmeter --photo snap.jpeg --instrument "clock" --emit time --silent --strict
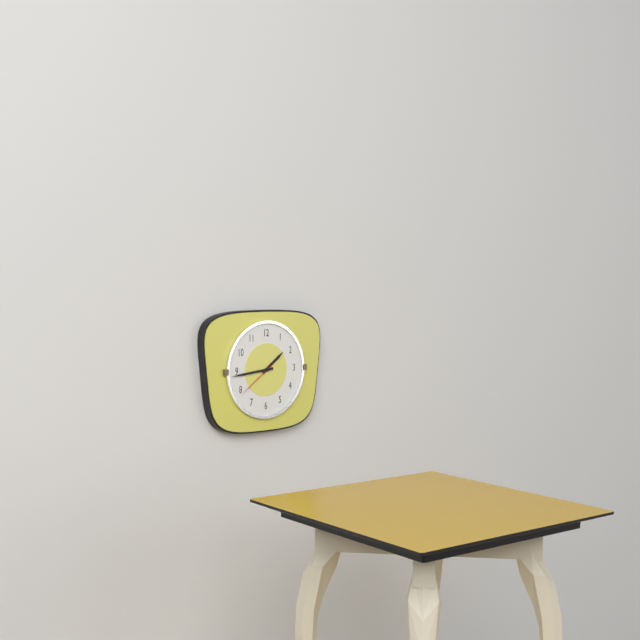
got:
1:44
